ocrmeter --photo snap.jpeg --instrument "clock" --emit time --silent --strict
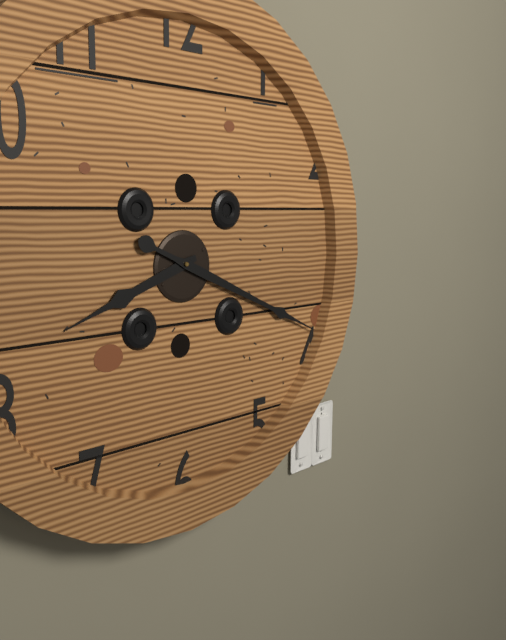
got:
8:19
